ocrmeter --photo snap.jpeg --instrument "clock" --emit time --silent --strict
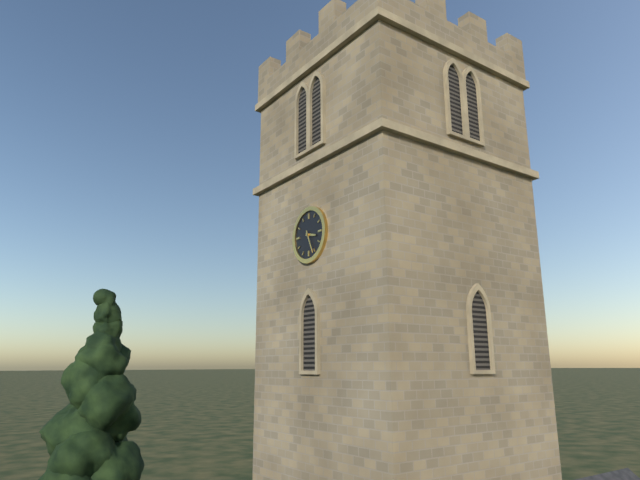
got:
3:26
